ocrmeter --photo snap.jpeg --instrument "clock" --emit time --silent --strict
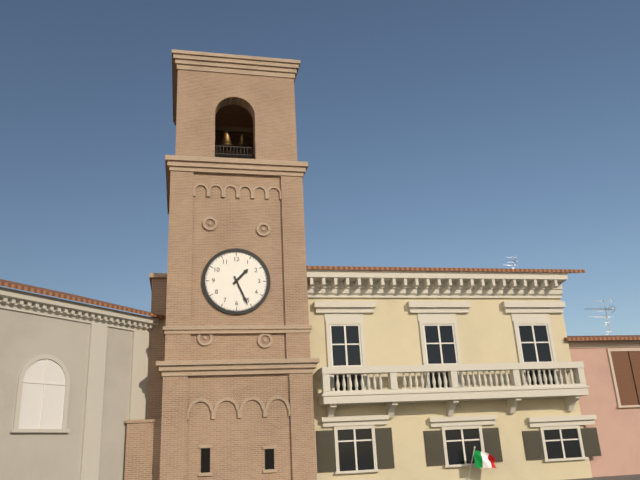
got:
1:26
